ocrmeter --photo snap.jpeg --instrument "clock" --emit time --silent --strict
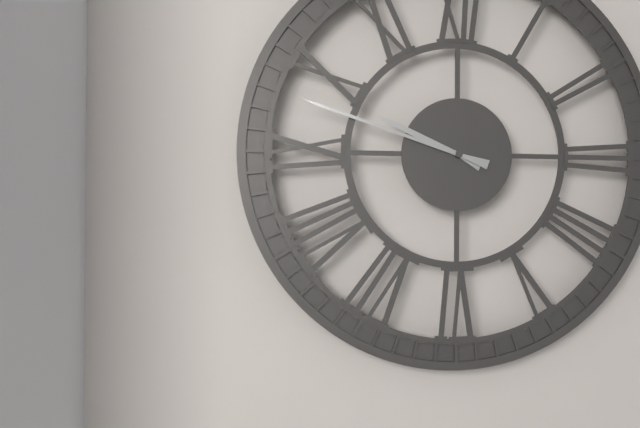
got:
9:48
